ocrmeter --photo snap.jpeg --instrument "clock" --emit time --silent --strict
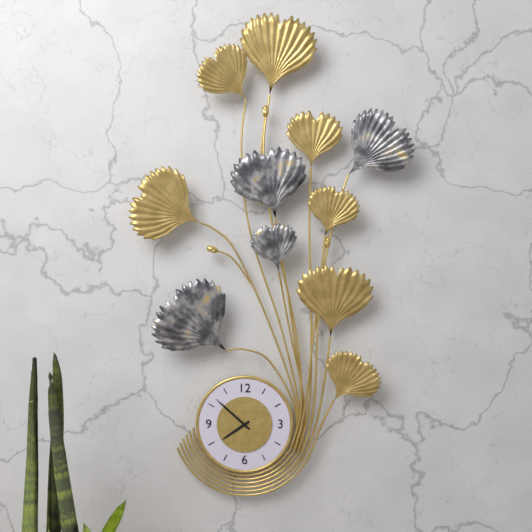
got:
7:52
